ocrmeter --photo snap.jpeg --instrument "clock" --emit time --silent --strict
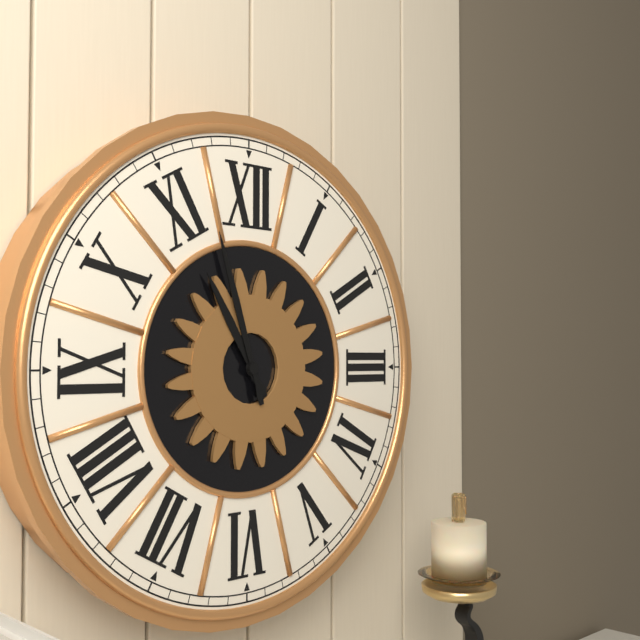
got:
10:57
